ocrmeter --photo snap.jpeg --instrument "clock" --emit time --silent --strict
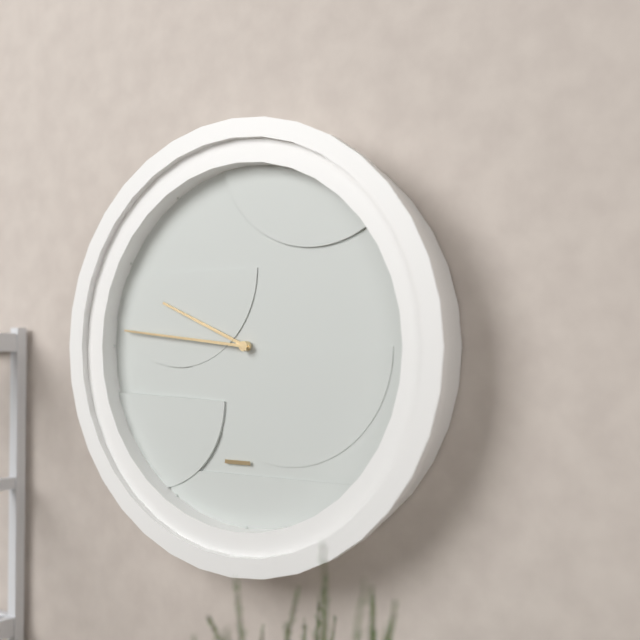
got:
9:46
